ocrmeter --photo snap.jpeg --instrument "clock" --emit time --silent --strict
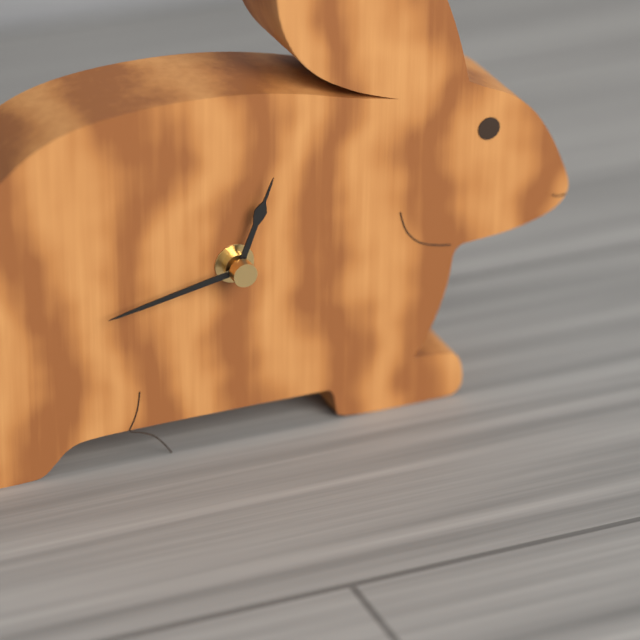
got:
12:43
